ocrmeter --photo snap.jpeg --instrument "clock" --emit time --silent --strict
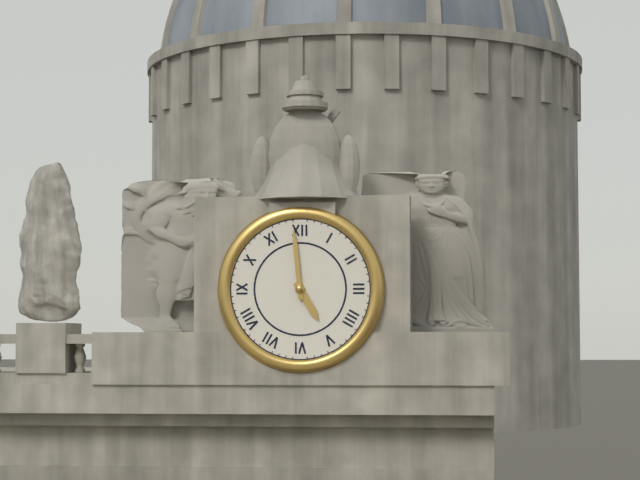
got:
4:59
